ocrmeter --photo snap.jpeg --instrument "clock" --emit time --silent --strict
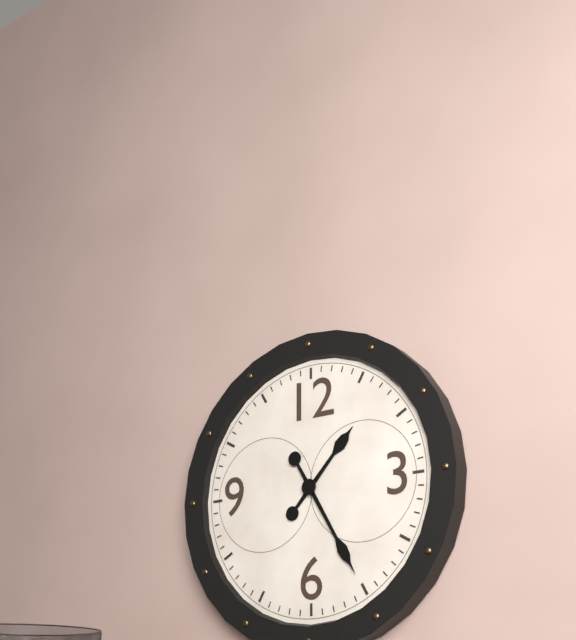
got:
1:25
